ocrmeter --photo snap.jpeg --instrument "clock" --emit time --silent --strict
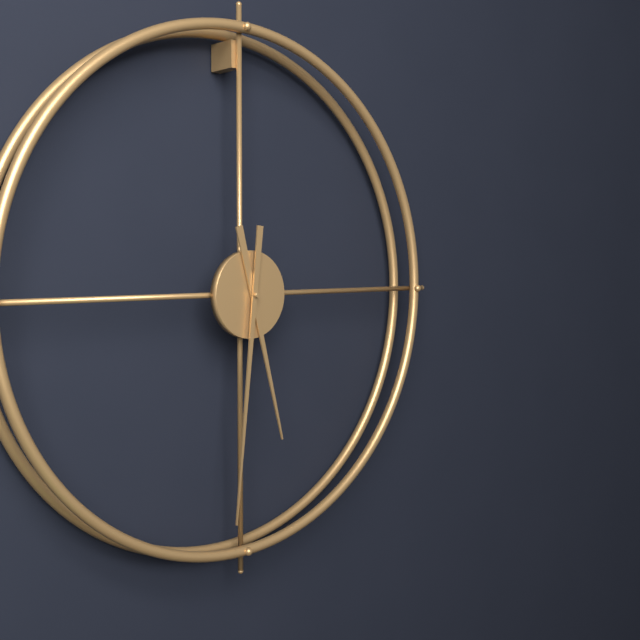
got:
5:31
